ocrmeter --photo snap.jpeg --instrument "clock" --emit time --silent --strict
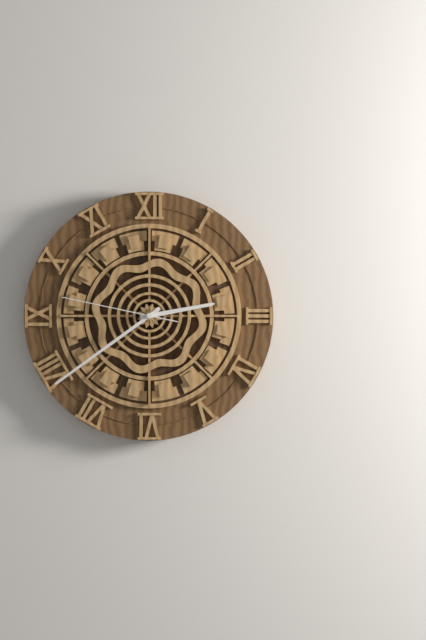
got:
2:39:47
